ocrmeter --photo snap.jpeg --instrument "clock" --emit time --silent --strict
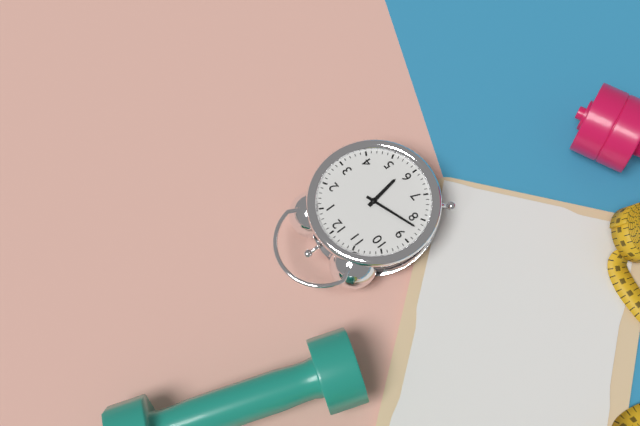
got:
5:42
